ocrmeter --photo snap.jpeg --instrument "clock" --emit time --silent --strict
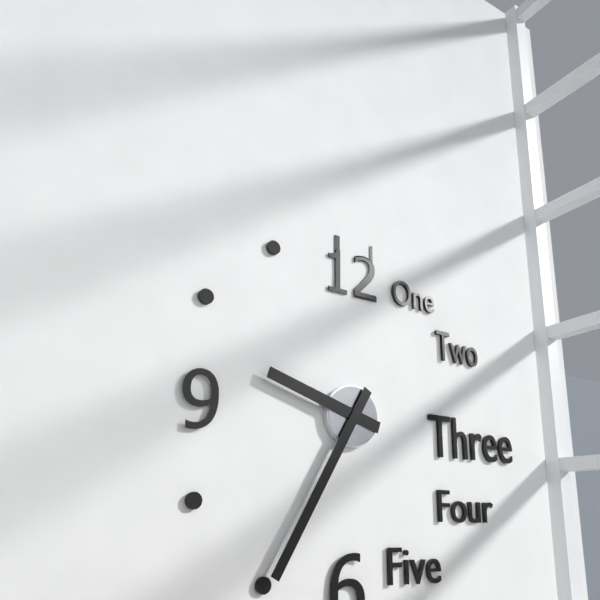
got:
9:35
